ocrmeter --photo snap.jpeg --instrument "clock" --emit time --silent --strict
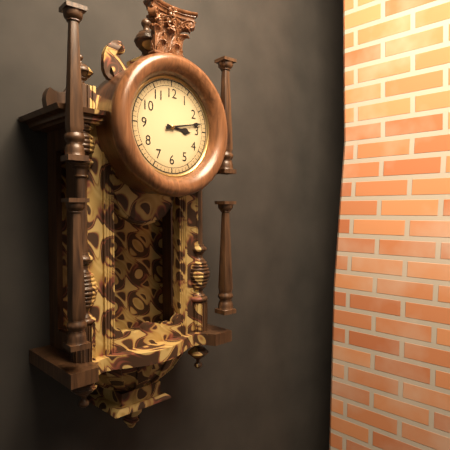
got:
3:13
